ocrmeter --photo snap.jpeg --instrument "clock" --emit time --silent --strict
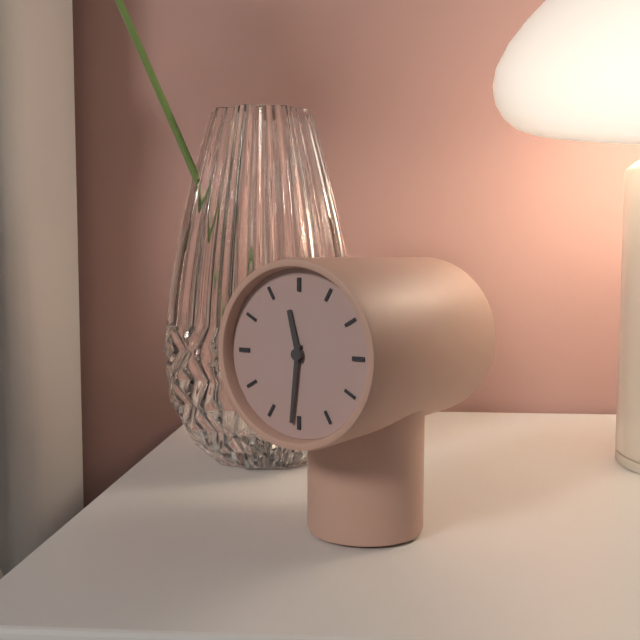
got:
11:31
